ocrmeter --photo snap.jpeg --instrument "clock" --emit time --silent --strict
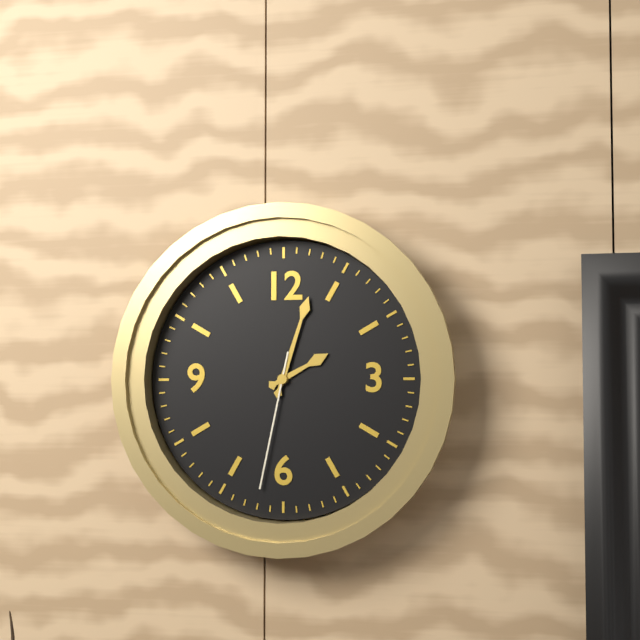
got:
2:03:32
